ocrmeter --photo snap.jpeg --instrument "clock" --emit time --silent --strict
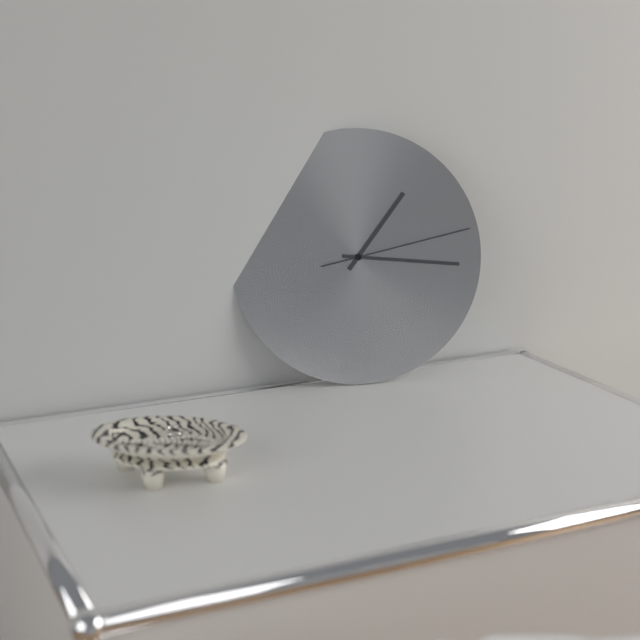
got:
1:16:13
